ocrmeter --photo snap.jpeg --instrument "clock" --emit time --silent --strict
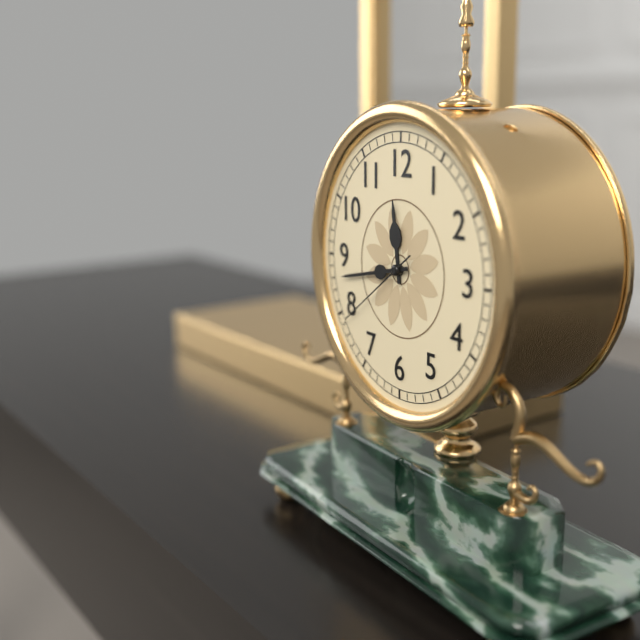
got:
11:43:39
